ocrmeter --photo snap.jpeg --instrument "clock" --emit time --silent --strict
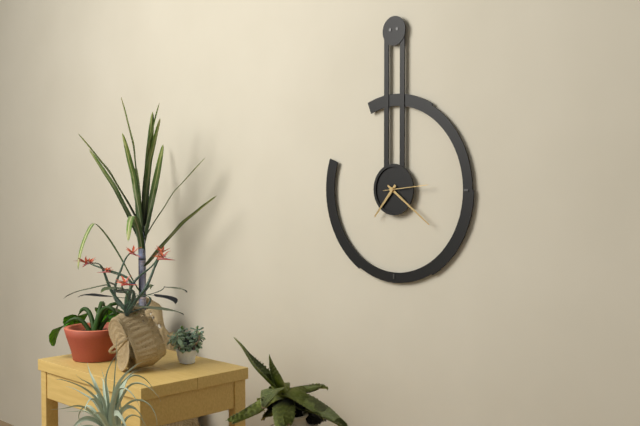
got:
7:21
